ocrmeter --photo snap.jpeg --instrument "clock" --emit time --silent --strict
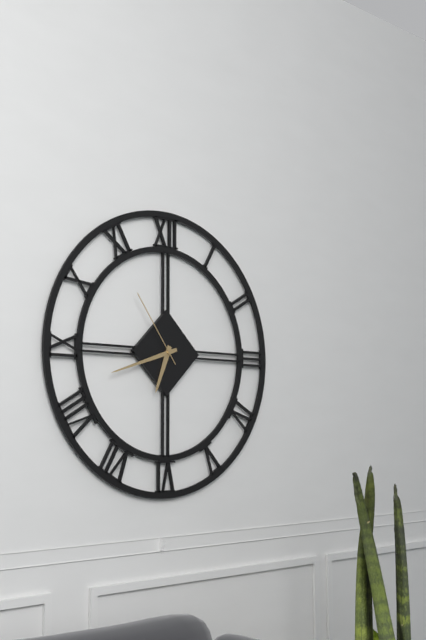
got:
6:42:54
